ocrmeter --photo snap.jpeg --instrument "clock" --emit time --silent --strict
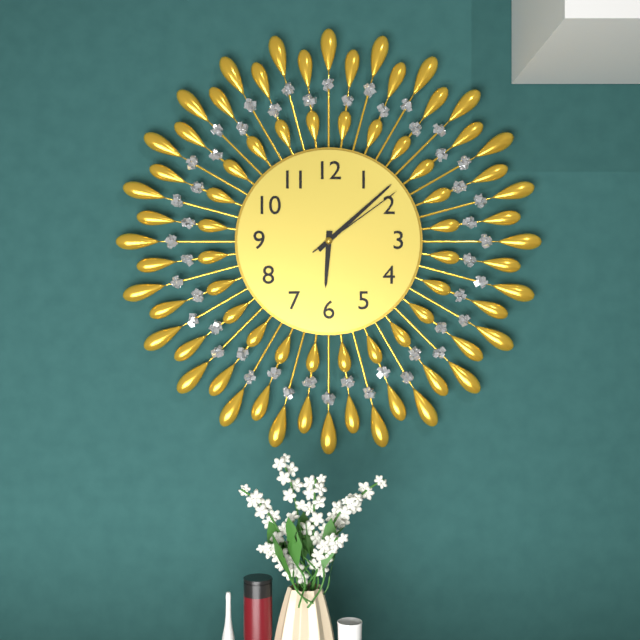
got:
6:08:09
